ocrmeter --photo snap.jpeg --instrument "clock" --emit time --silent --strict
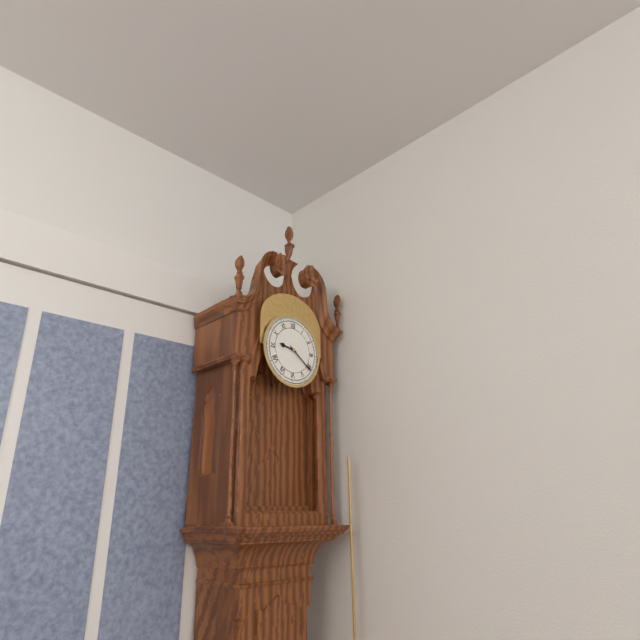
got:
9:21
